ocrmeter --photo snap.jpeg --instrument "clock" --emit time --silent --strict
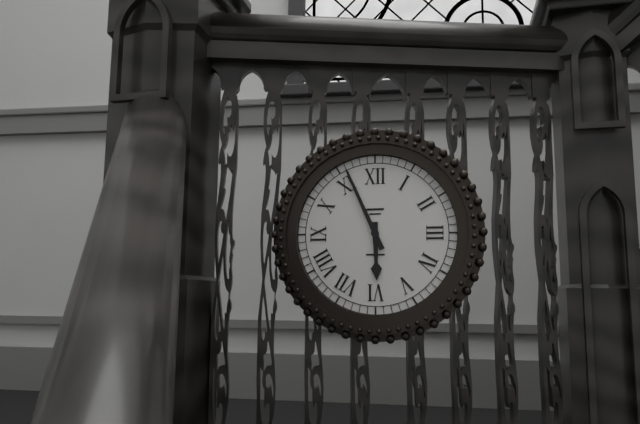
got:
5:56
